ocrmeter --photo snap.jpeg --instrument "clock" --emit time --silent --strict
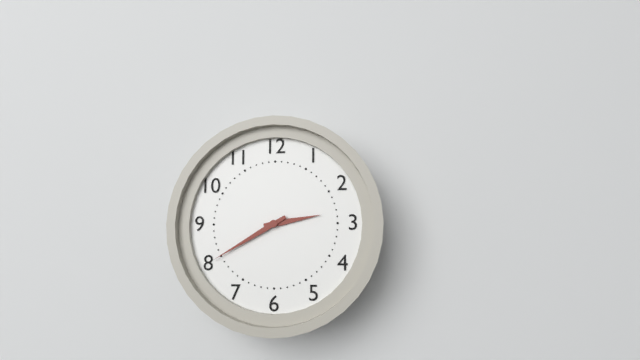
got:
2:40
